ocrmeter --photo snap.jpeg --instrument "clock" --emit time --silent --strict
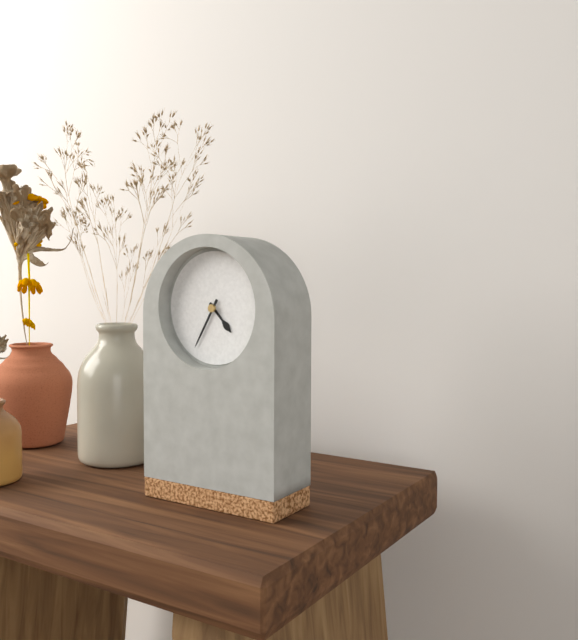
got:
4:35
